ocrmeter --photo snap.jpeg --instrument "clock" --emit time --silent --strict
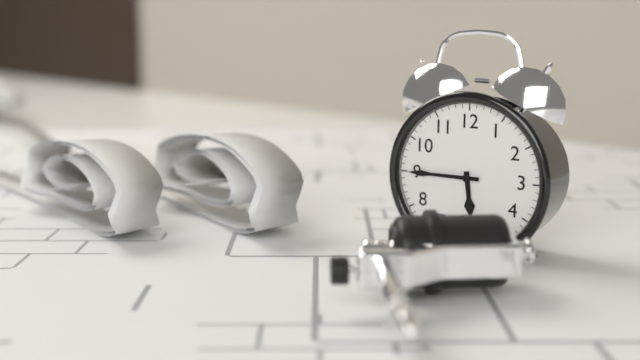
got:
5:45
